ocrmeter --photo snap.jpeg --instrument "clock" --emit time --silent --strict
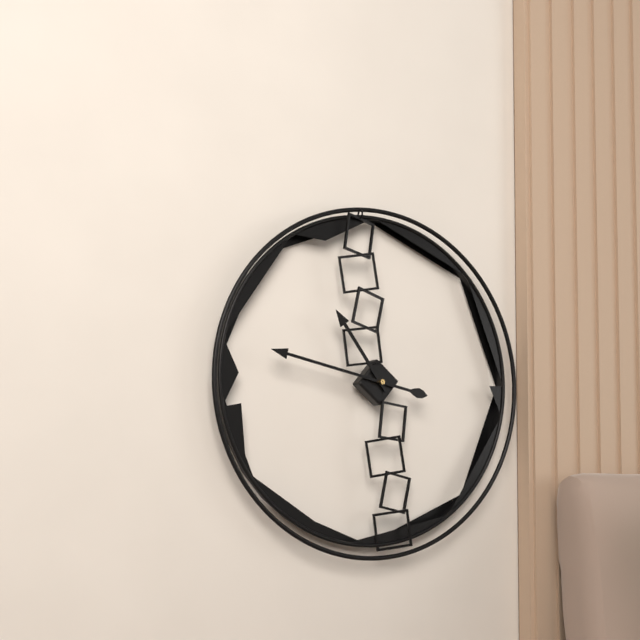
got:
10:47
